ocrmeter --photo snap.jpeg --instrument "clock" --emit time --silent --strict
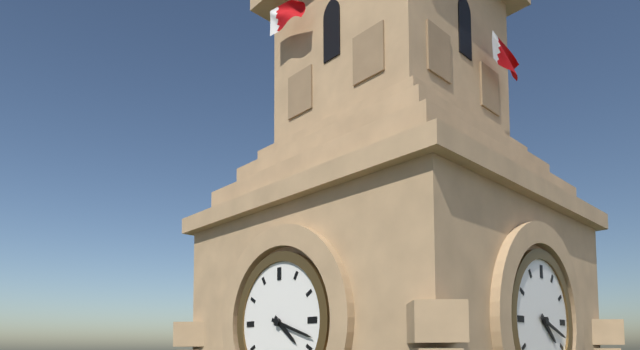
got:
4:18
